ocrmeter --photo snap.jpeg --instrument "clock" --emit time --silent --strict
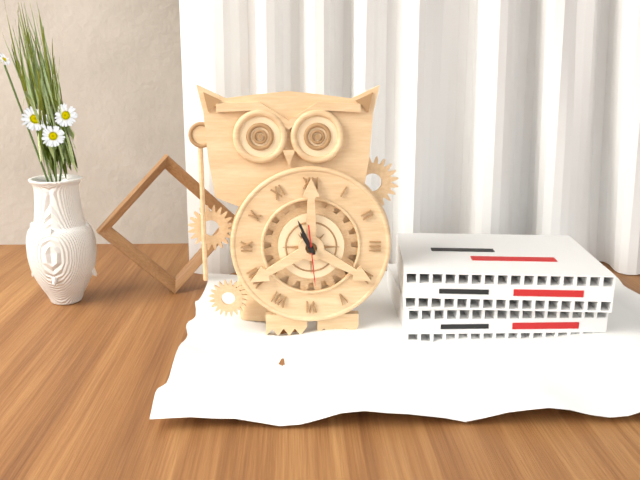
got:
10:56
